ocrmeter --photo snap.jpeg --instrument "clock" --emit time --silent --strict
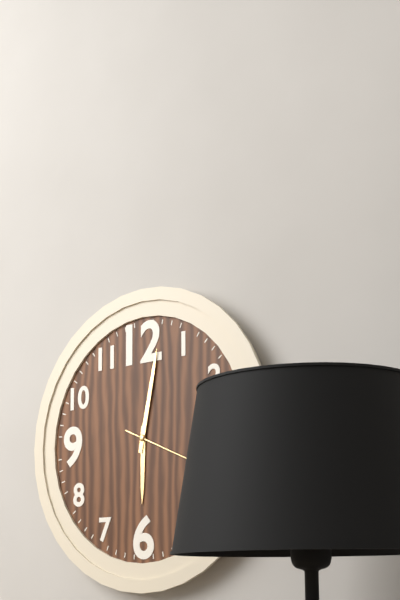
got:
6:02:19
